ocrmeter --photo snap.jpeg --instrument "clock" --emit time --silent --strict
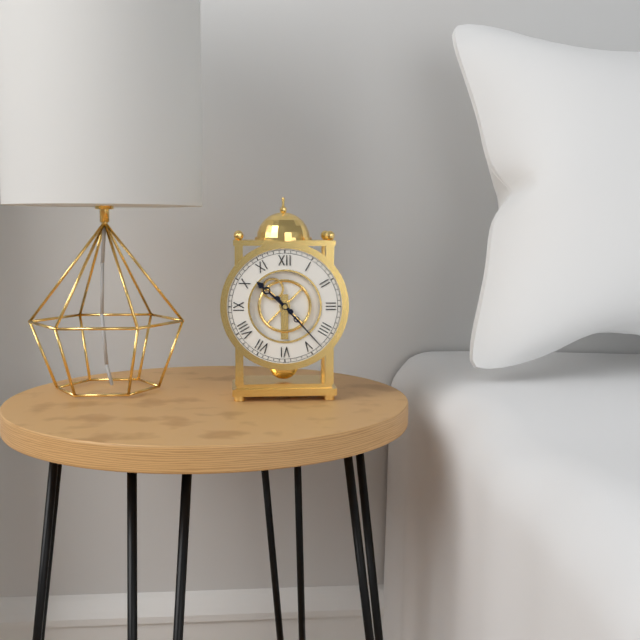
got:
10:23
